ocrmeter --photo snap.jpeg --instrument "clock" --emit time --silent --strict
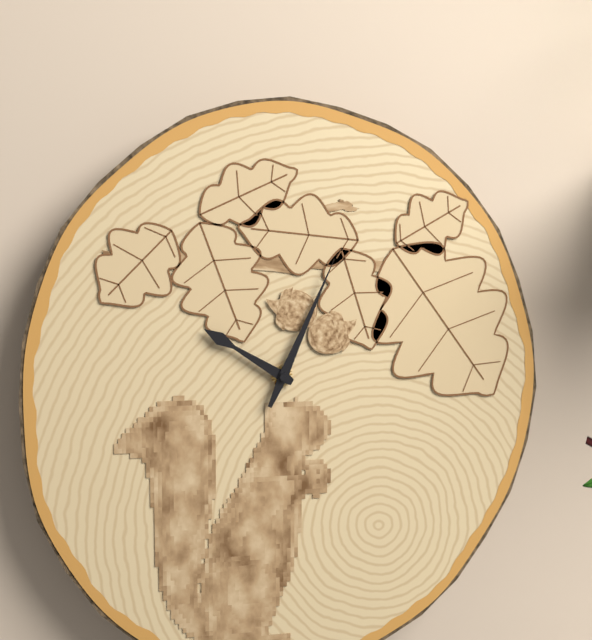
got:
10:04
